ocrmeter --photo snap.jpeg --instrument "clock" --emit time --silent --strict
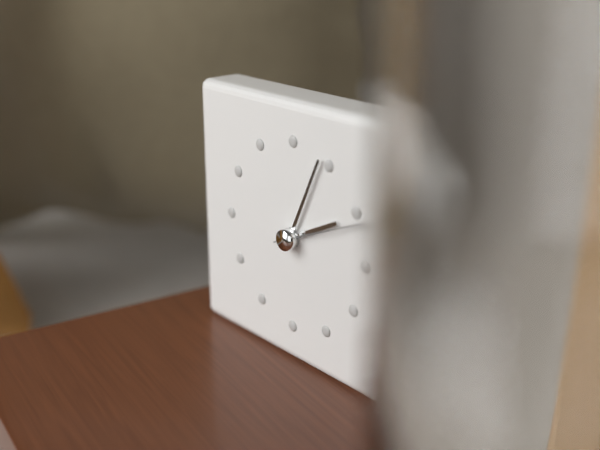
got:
2:04:11
